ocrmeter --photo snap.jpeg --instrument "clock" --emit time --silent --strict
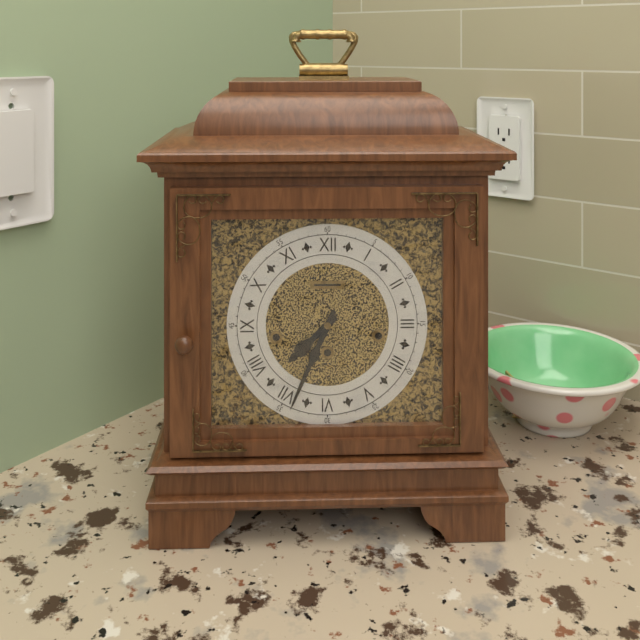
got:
7:34
